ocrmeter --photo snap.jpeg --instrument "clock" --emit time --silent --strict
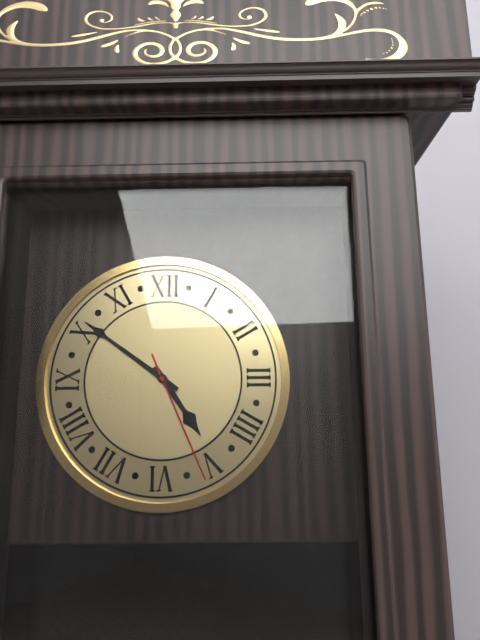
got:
4:51:26
